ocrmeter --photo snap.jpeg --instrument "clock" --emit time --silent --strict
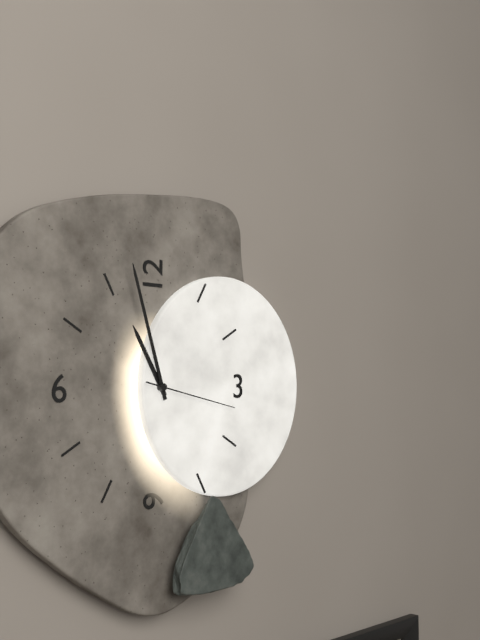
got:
10:57:17
